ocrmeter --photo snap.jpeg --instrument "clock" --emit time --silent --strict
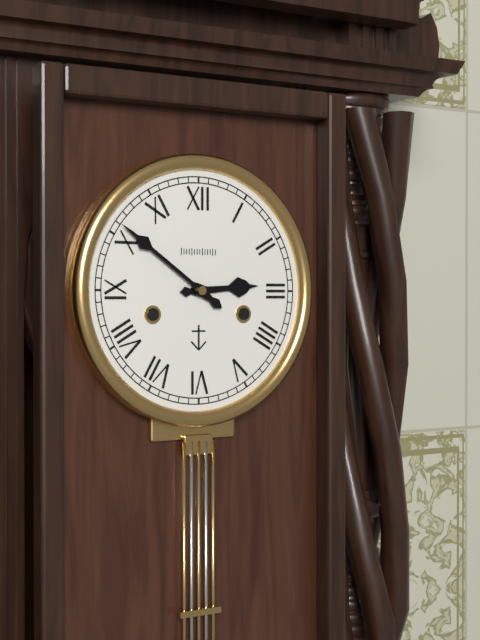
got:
2:51
